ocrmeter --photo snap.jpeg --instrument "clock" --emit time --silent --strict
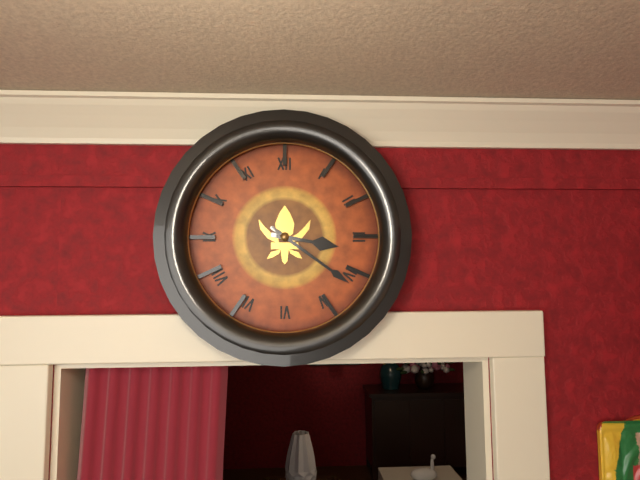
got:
3:21
